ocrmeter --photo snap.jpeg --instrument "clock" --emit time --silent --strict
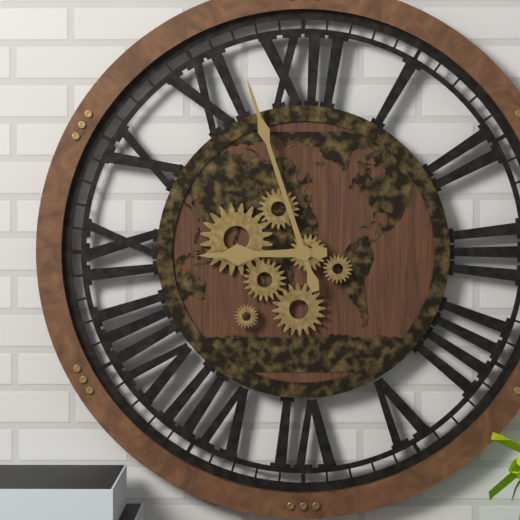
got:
8:57
